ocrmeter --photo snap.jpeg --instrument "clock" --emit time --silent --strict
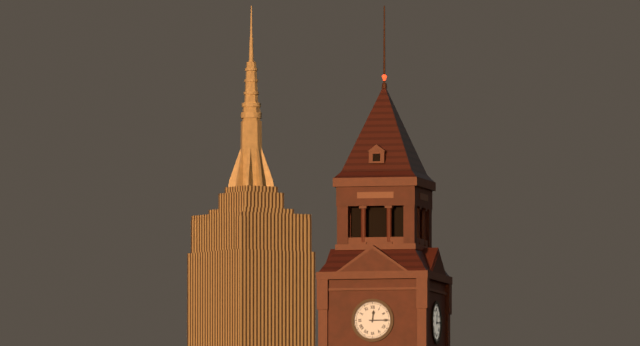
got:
12:15
